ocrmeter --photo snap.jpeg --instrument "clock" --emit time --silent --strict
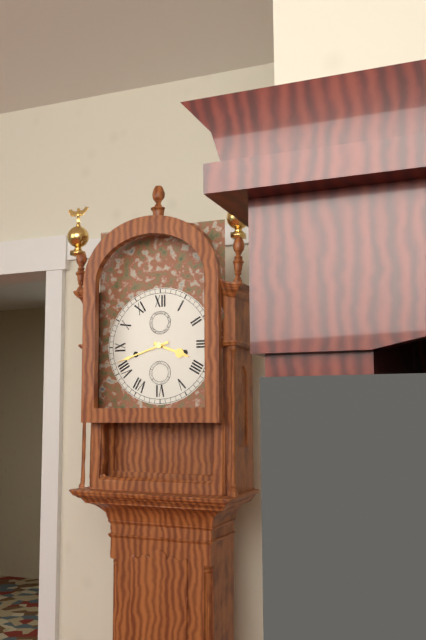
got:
3:42
